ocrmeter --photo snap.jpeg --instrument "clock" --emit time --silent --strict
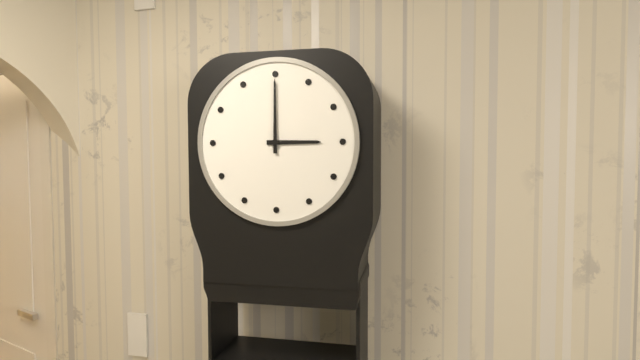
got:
3:00
